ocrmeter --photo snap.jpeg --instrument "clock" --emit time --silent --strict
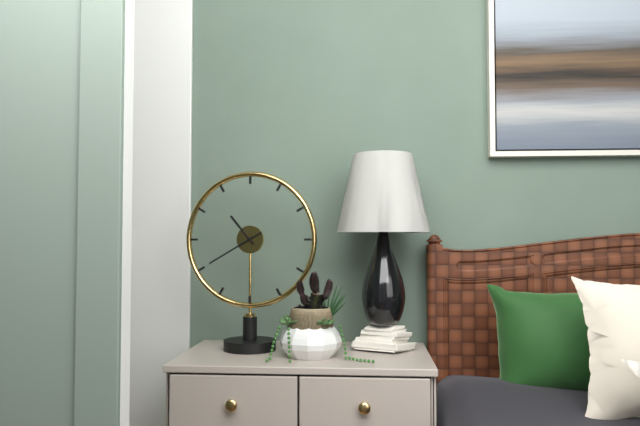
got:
10:40
